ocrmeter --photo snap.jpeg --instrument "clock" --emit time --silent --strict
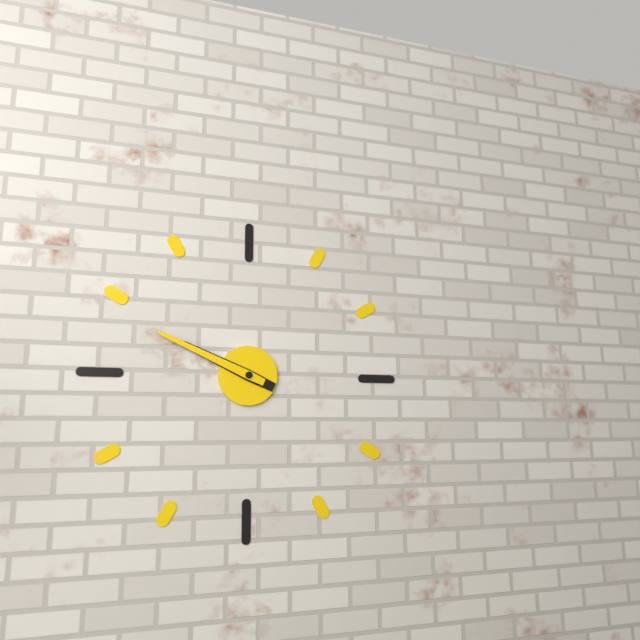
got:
9:49
